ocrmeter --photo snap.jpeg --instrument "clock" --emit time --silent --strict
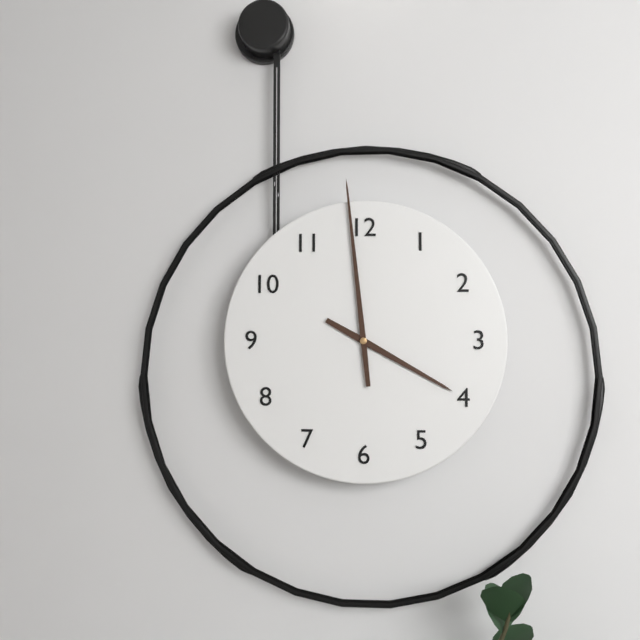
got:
3:59
